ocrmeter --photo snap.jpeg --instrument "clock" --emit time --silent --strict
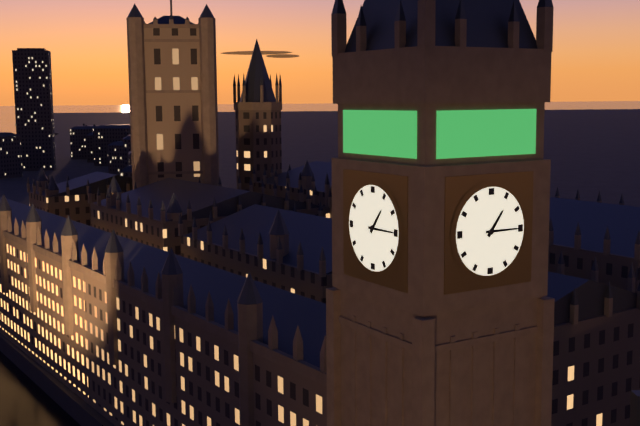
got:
1:15
